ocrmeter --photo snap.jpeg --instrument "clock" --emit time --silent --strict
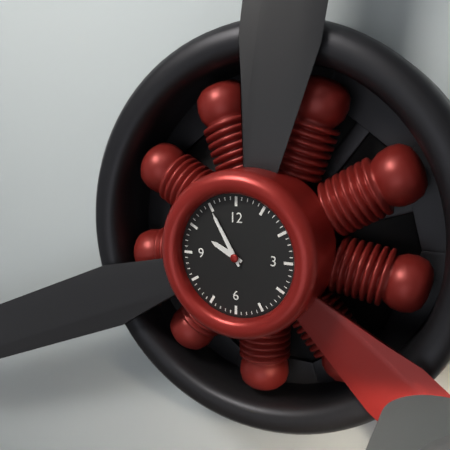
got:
9:55
